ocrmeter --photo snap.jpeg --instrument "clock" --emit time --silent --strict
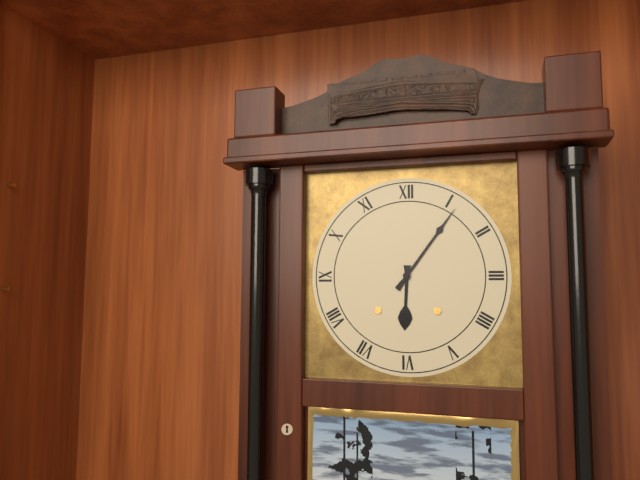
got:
6:06
